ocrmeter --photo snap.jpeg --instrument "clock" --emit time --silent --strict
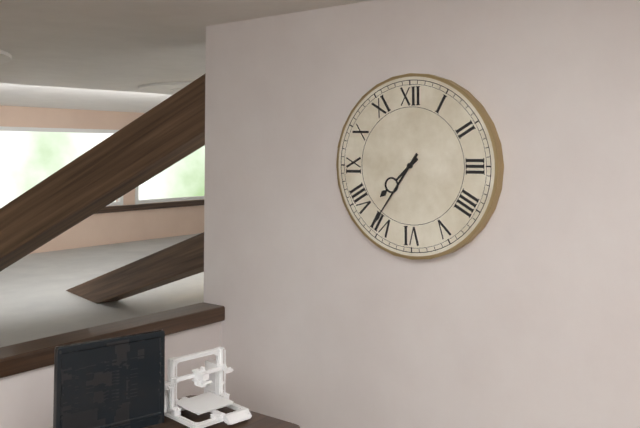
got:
7:36
